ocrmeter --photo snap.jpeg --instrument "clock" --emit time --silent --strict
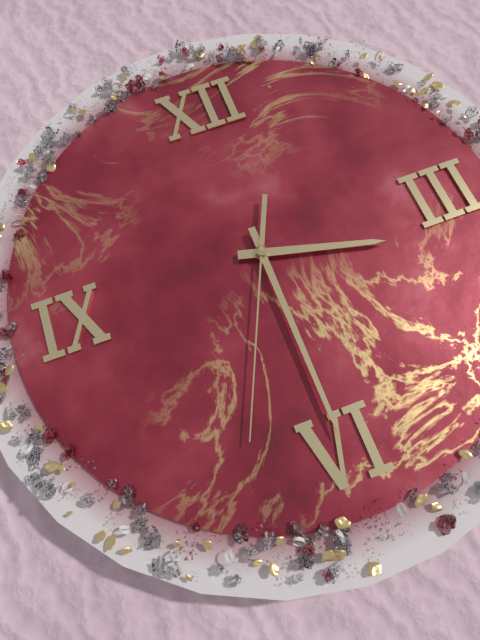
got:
3:30:34
